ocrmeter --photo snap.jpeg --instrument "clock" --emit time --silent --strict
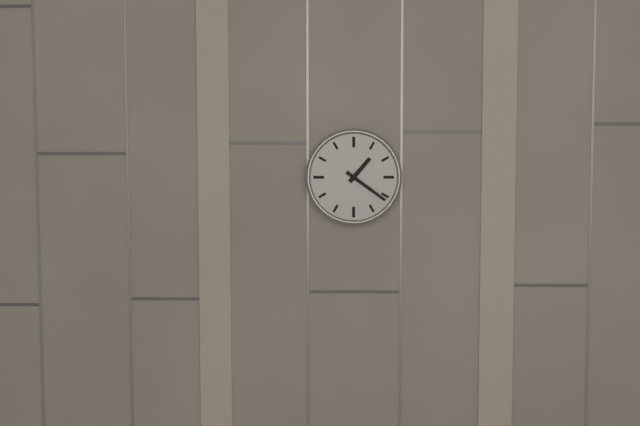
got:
1:21
